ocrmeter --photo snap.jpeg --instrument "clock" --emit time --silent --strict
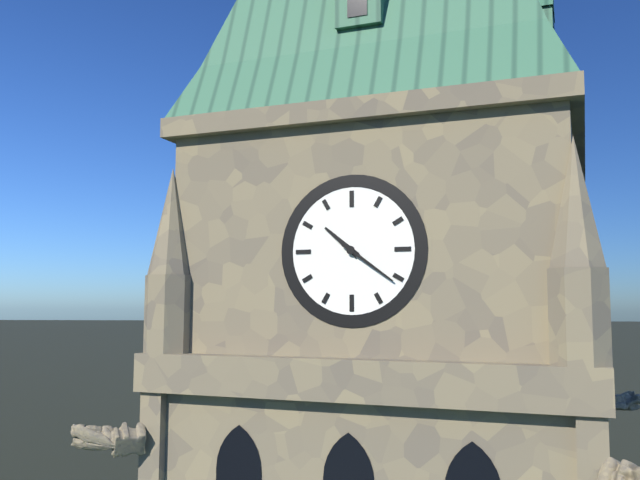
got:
10:21
